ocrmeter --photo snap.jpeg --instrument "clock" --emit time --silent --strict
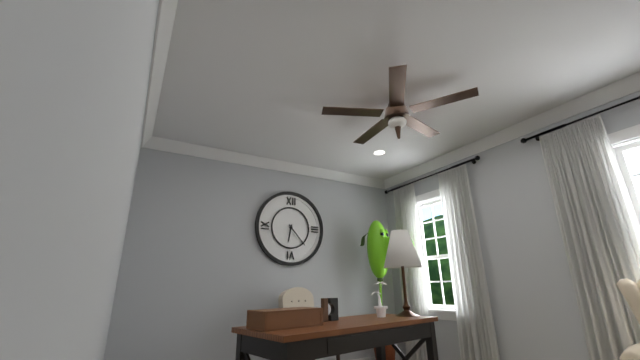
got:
6:23
